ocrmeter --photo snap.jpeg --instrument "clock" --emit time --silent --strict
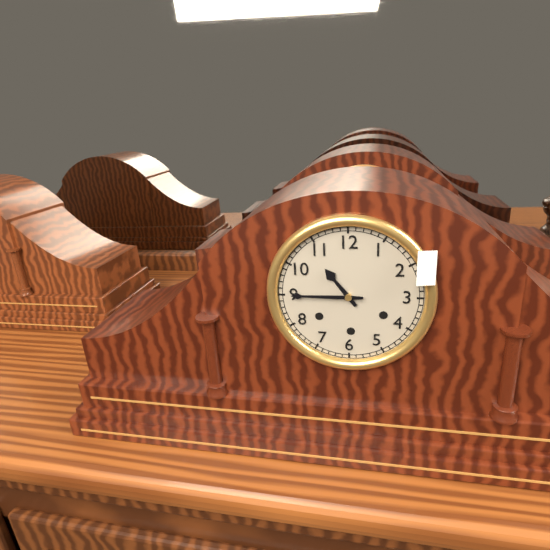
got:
10:45
